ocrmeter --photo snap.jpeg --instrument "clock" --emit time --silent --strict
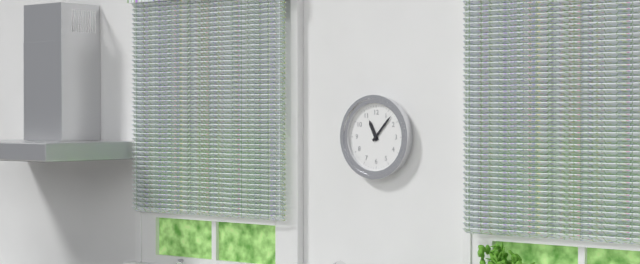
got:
11:07
